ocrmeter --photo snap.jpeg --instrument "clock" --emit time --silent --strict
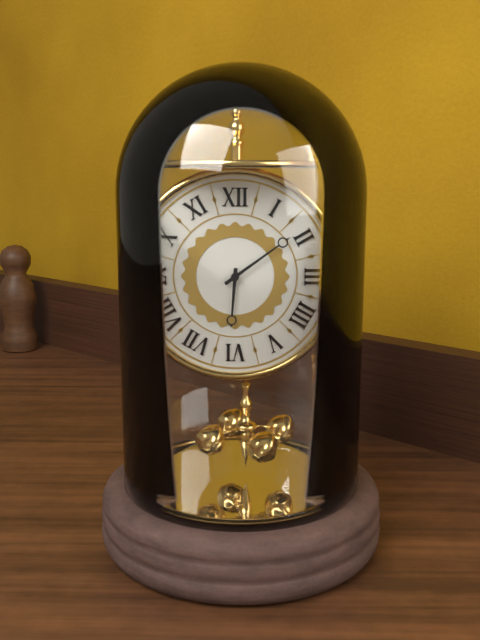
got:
6:09
